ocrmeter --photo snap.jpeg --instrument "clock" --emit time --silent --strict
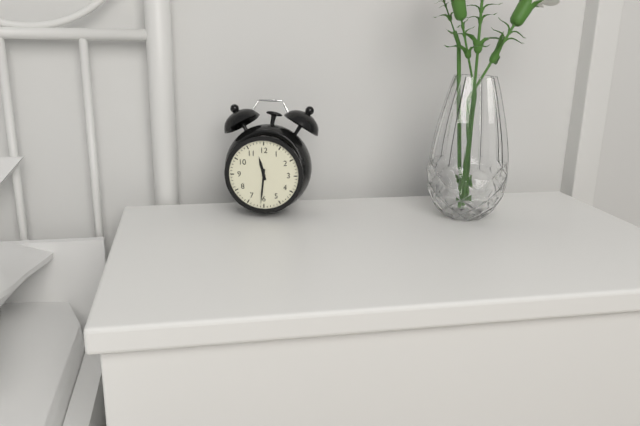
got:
11:31
